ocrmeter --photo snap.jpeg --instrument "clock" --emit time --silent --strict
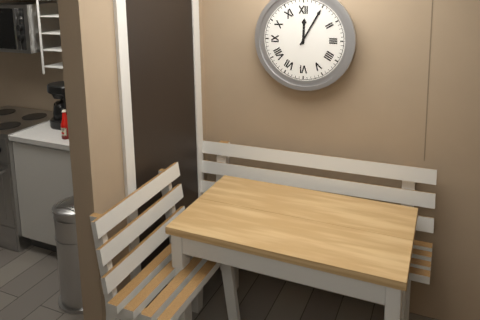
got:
12:05
